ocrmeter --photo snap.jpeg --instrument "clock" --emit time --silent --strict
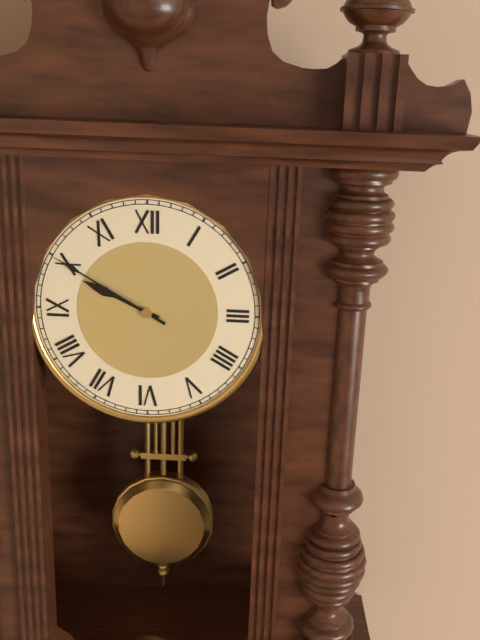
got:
9:50
